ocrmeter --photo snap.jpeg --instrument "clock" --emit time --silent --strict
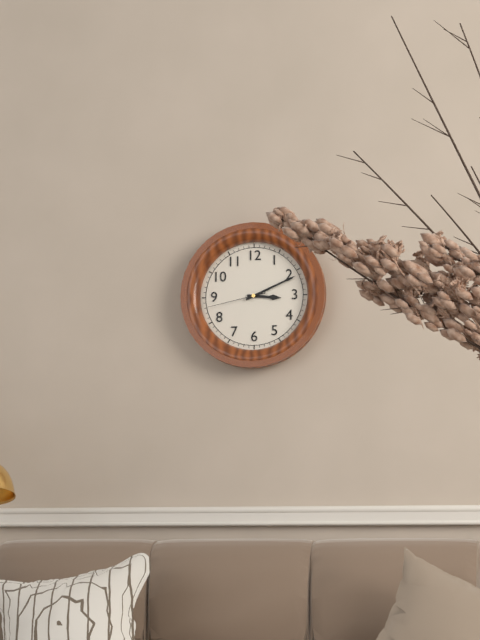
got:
3:11:43
